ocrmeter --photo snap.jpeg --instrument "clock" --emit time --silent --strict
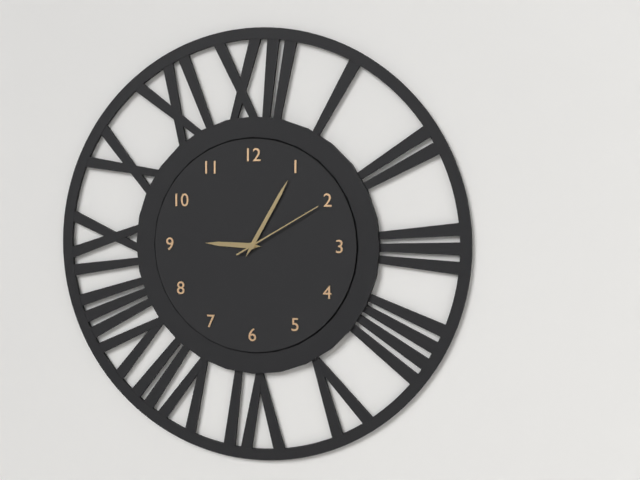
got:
9:05:10
